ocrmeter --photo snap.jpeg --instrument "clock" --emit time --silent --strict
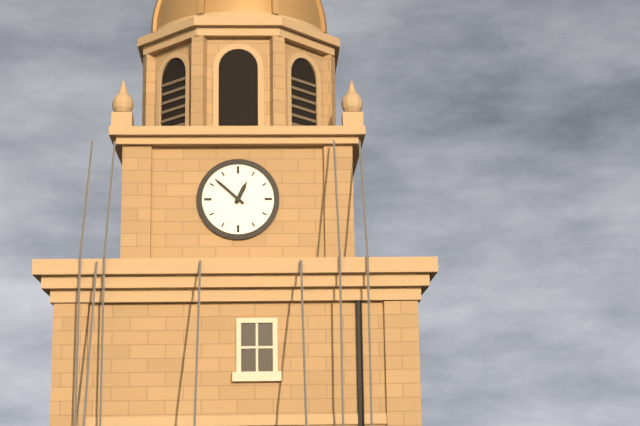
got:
12:52
